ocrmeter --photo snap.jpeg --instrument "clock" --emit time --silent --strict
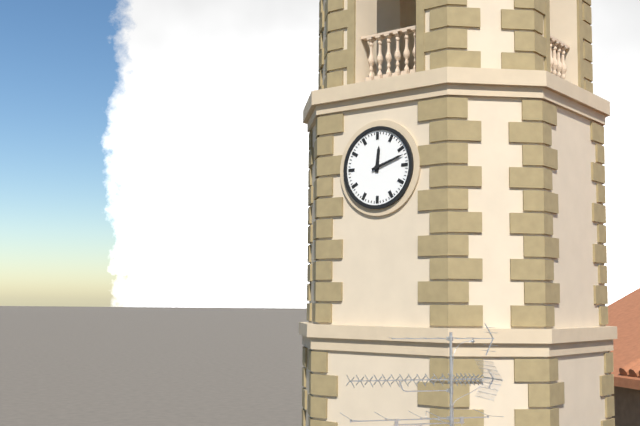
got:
12:12
